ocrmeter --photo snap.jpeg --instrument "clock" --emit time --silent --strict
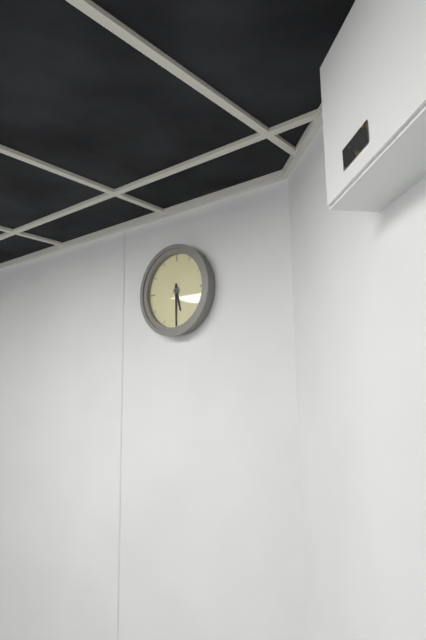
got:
5:30
